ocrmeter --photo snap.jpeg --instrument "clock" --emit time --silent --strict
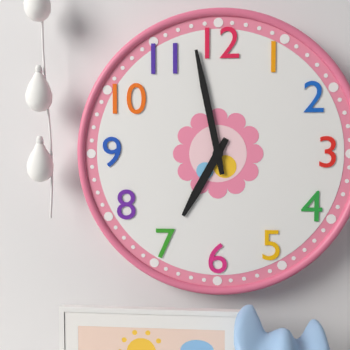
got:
6:58
